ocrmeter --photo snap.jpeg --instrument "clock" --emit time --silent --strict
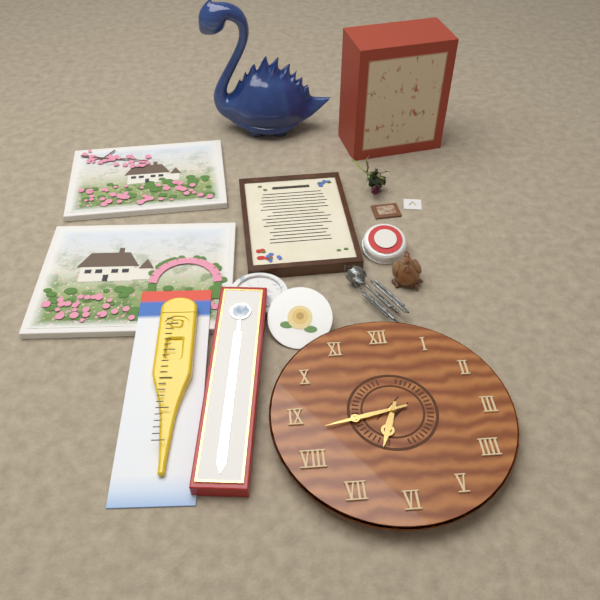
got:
6:43
